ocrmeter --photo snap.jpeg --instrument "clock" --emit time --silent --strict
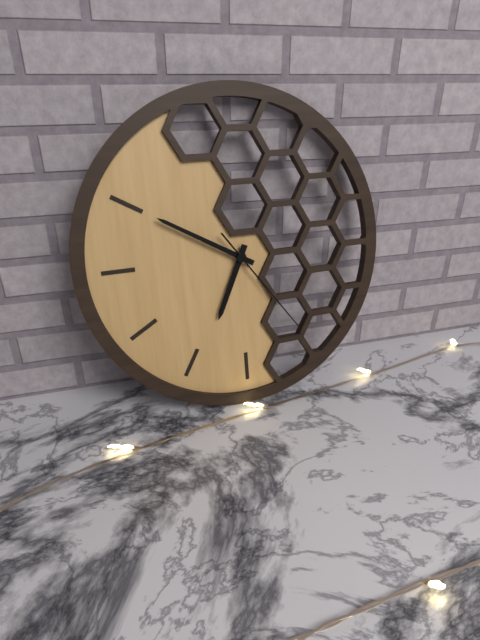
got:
6:50:24
